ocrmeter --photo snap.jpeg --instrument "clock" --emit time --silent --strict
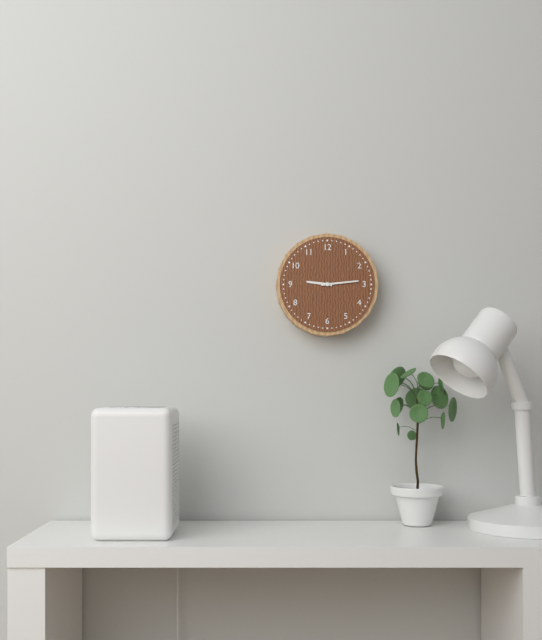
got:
9:14
